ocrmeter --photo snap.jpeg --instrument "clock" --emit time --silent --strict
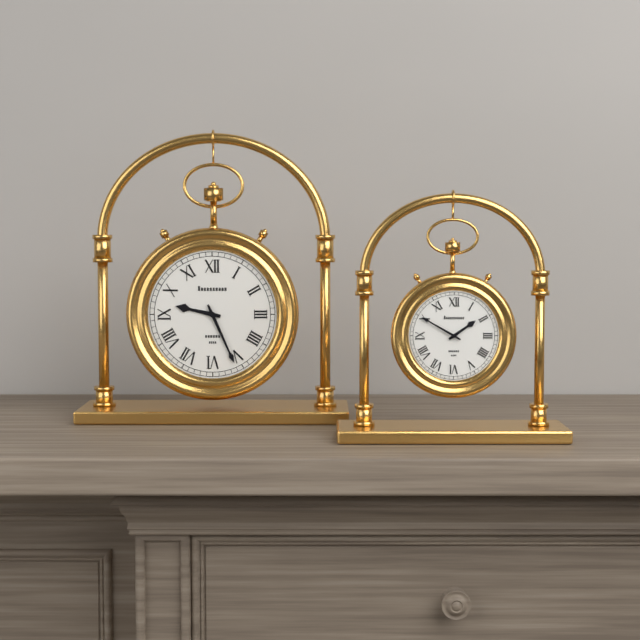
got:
9:26
